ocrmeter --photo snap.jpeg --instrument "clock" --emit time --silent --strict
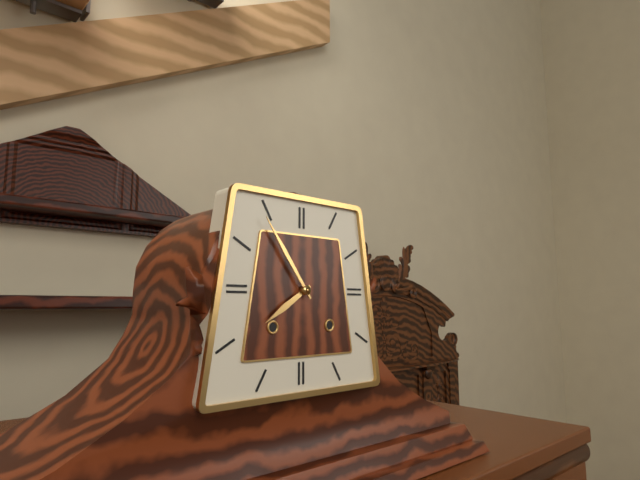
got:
7:54
